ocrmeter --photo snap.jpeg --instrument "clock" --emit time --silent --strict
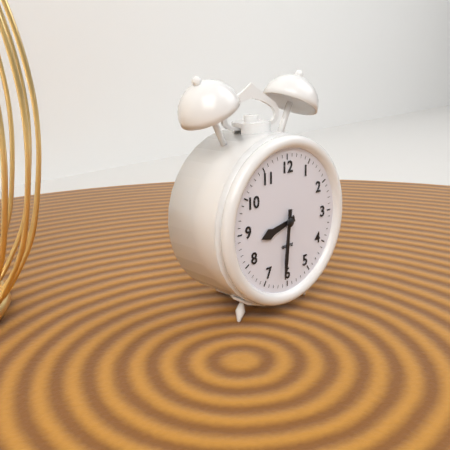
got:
8:31
